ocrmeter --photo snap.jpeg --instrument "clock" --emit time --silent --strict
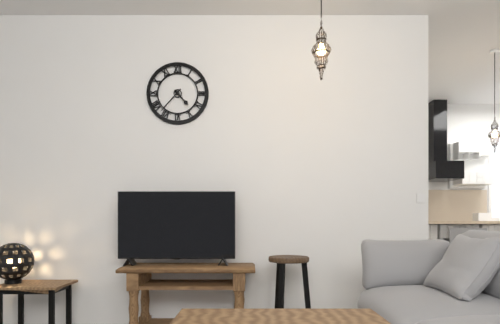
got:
4:37
